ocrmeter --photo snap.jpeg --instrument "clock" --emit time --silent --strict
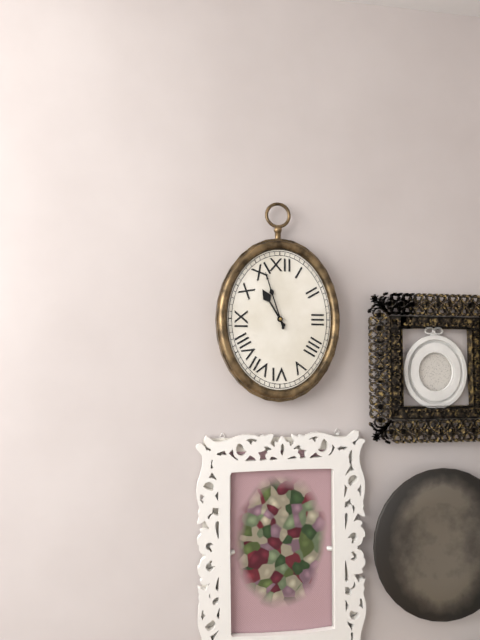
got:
10:57
